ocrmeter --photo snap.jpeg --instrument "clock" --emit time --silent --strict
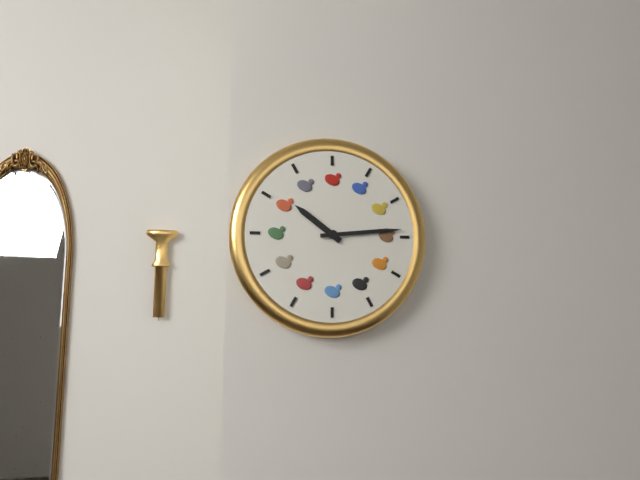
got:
10:14
